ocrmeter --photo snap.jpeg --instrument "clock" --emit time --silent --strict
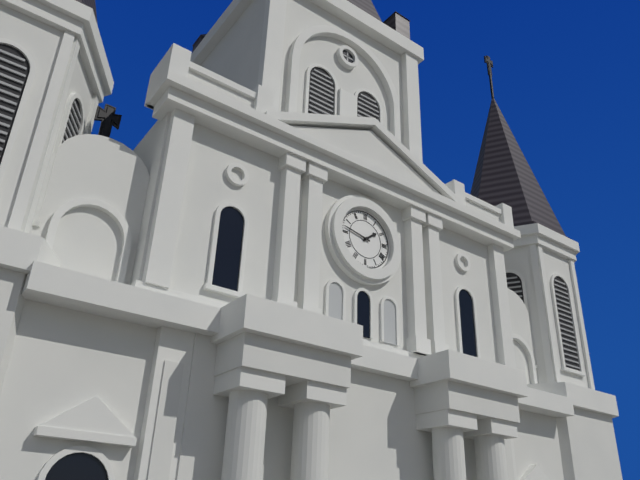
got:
1:47
